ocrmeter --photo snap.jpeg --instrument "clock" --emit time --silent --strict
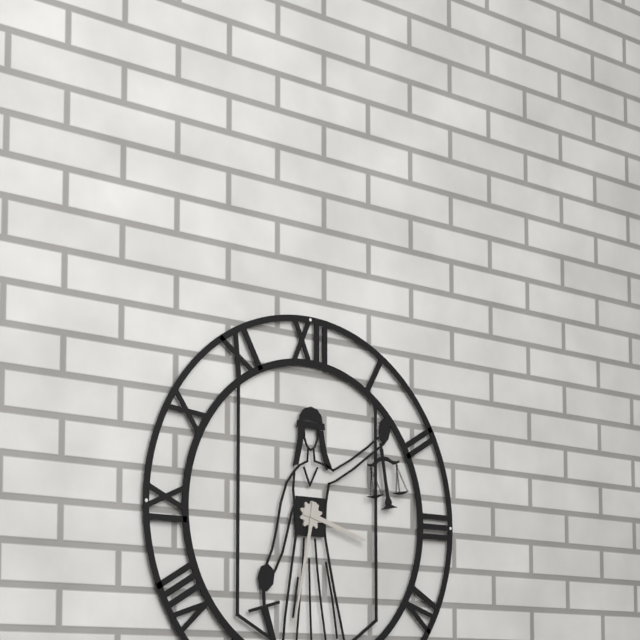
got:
3:32
